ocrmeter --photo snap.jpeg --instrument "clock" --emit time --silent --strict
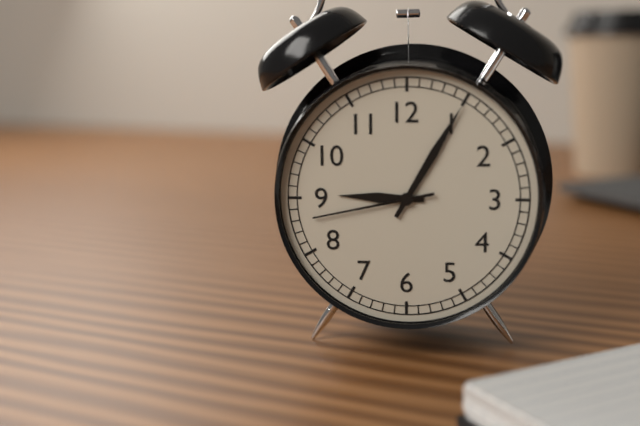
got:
9:05:43
